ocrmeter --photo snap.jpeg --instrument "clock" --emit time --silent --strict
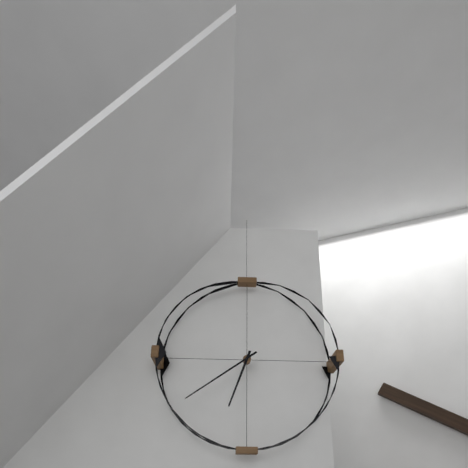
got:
6:39
